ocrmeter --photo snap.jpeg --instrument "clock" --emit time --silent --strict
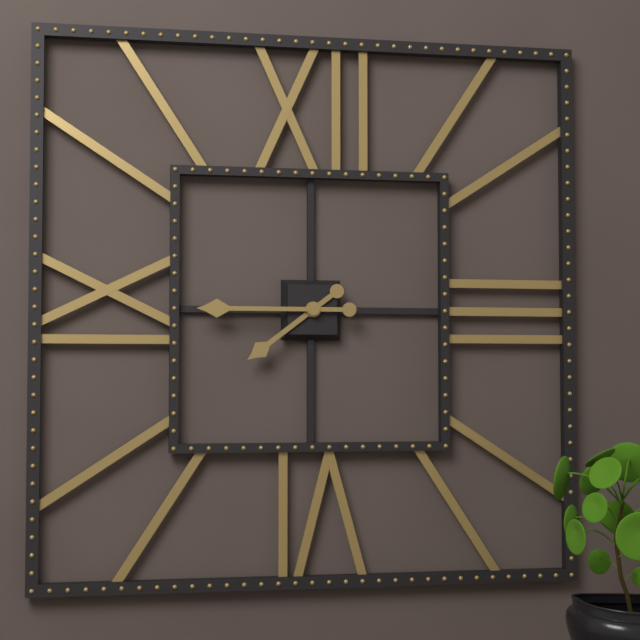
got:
7:45
